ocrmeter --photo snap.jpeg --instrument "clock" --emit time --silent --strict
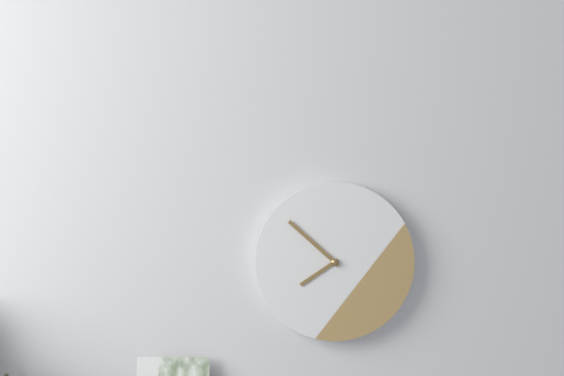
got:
7:52
